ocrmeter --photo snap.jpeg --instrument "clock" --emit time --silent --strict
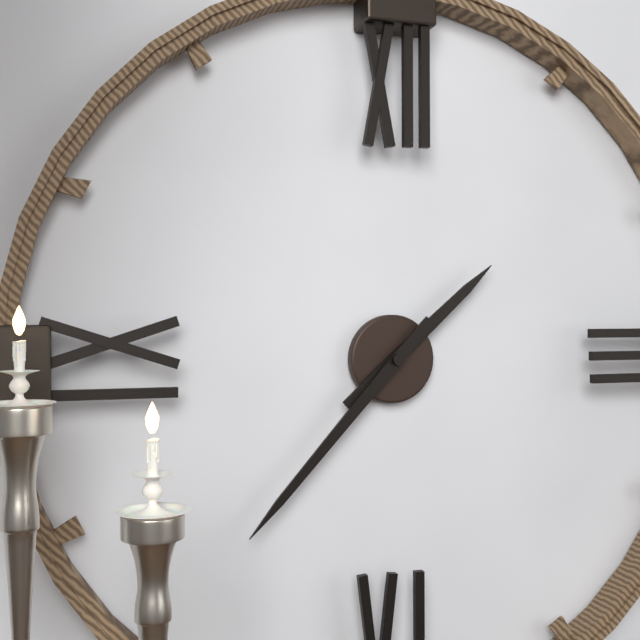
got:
1:37
